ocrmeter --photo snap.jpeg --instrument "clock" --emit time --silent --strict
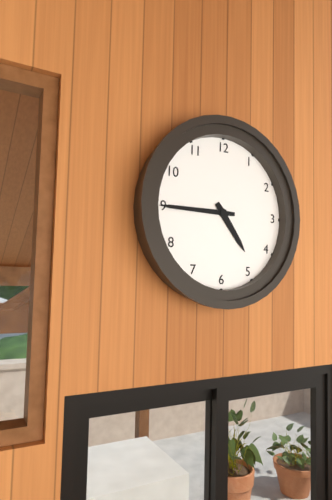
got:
4:45
